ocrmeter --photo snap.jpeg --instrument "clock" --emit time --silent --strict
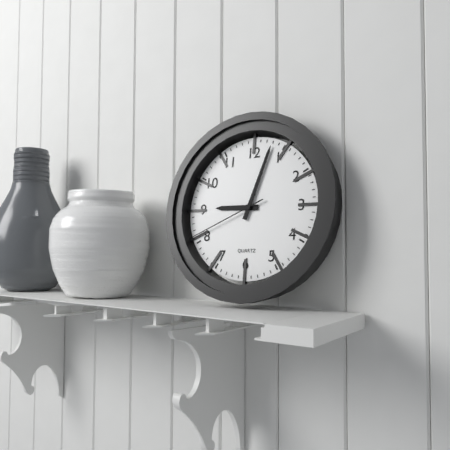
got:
9:03:41
